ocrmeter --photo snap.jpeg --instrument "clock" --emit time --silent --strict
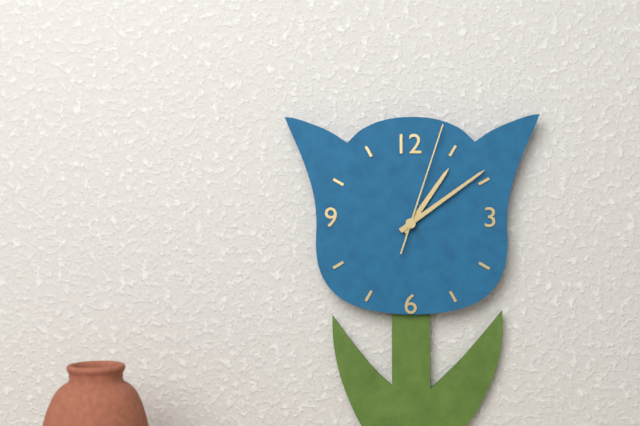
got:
1:09:03
